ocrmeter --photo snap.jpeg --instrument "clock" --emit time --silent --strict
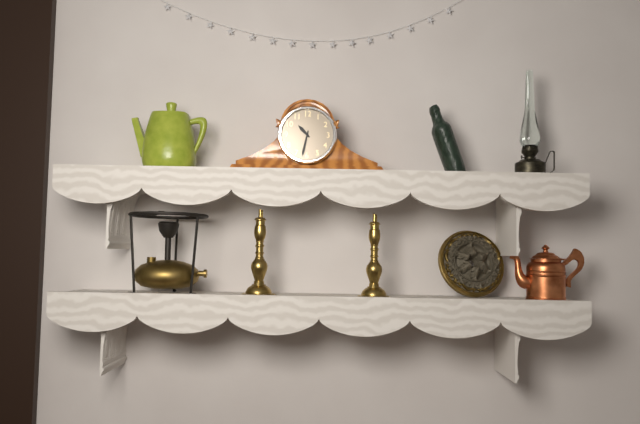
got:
10:32
